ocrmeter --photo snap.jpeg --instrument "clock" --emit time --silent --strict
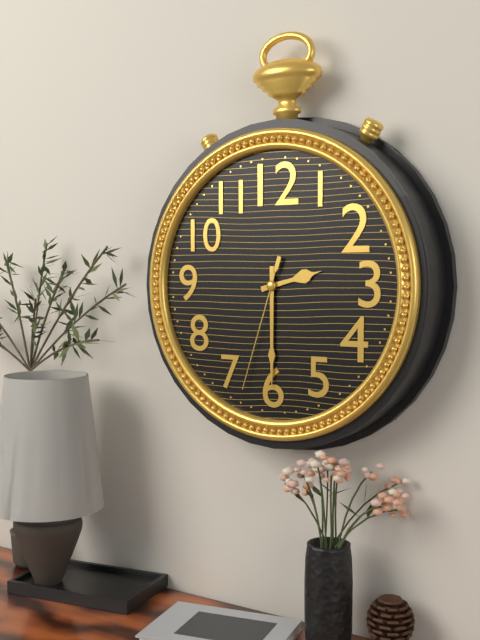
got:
2:30:33
